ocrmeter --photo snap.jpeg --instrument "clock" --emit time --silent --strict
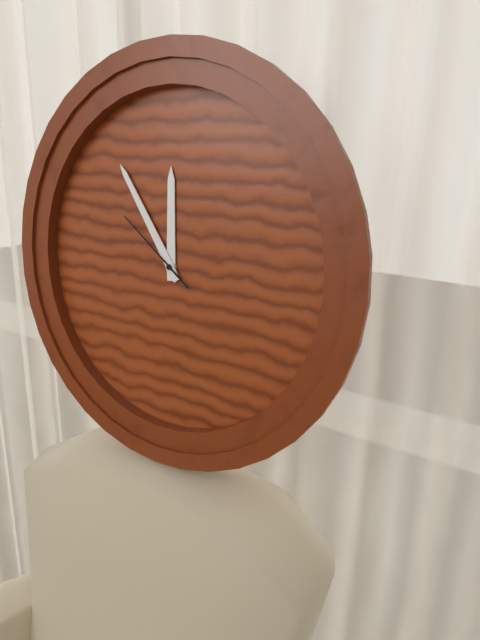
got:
11:54:51
